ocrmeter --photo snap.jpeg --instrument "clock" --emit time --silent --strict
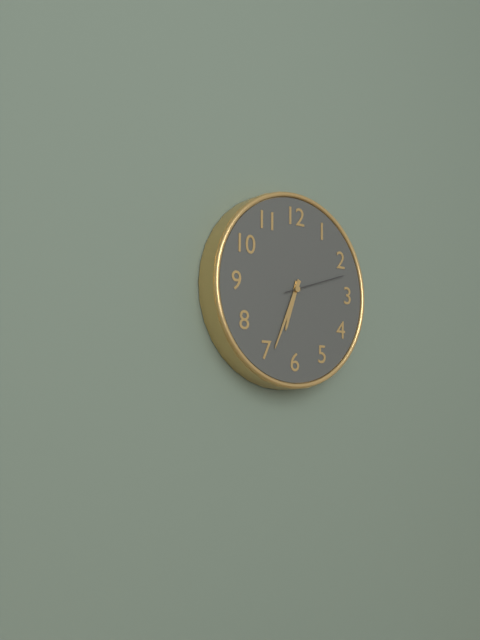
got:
6:34:12
